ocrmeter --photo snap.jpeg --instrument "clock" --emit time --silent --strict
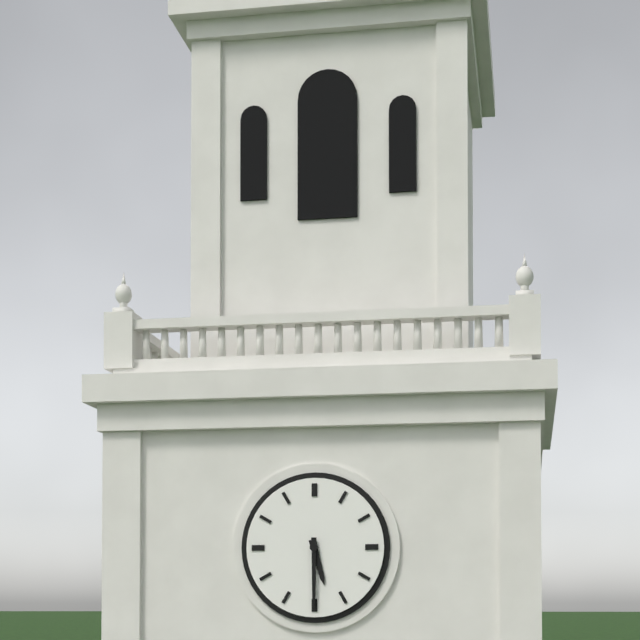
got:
5:30
